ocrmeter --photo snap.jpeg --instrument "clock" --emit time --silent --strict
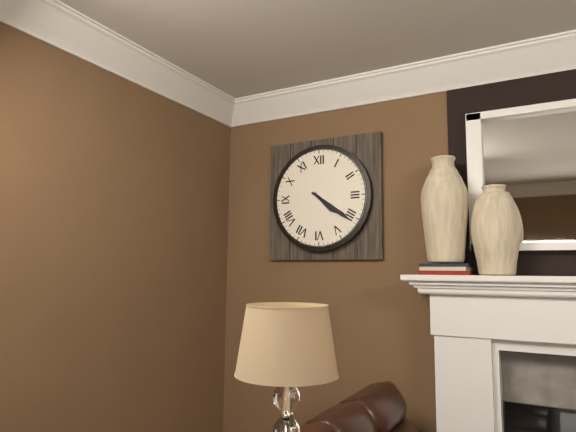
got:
4:21
